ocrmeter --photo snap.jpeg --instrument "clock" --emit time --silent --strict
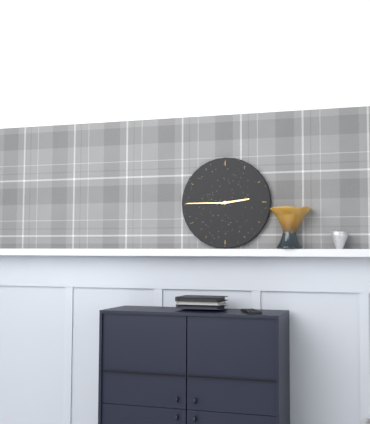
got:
2:45
